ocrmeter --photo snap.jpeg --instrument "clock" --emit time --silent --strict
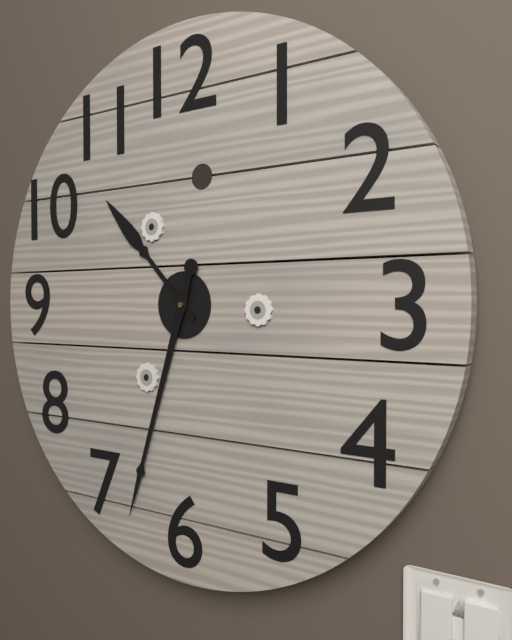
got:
10:33
